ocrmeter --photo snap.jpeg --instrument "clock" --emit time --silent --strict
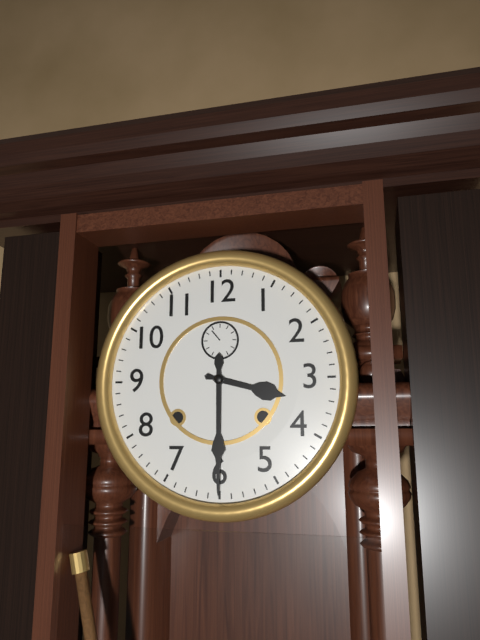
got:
3:30
